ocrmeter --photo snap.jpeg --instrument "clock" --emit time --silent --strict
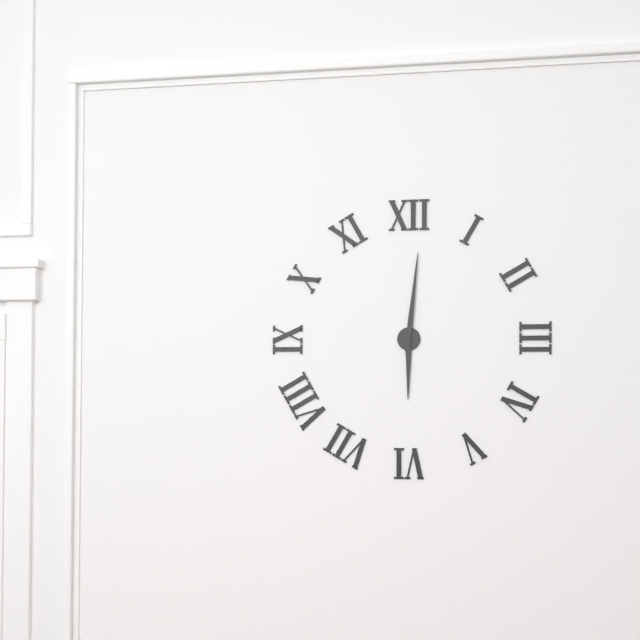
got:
6:01
